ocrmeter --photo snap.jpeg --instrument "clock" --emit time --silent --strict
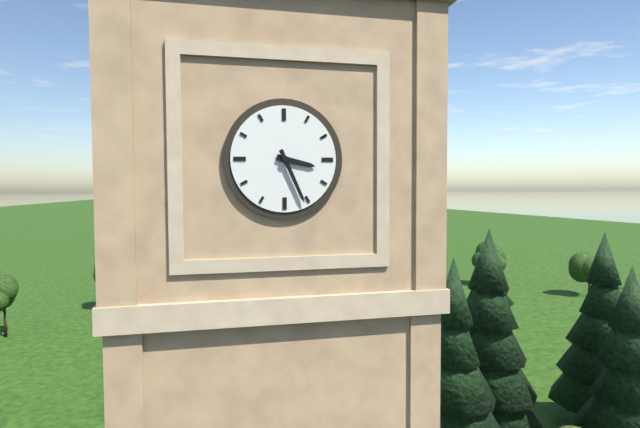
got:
3:26
